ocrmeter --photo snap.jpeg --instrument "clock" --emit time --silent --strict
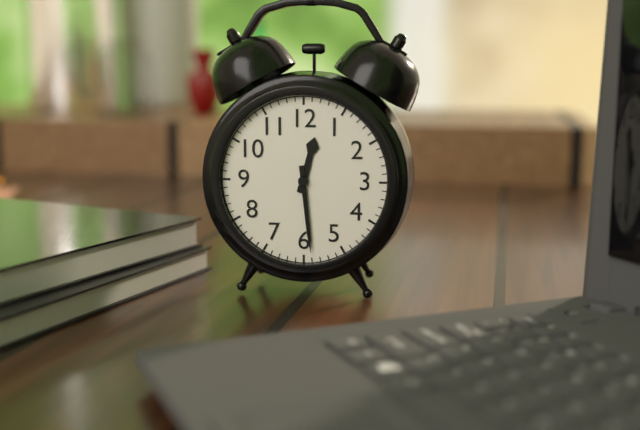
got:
12:29
